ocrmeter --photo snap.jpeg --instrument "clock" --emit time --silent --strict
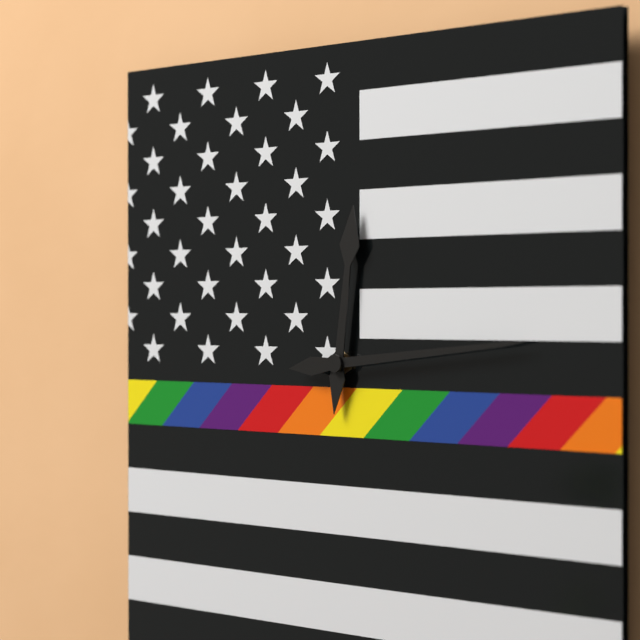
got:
12:14
